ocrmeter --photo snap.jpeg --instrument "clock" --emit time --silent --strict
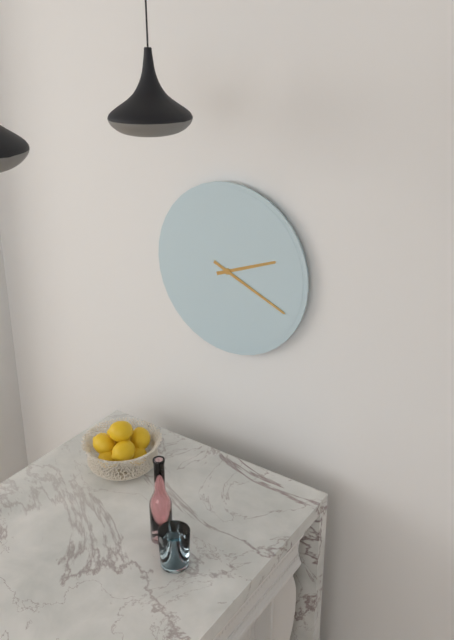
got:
2:19
